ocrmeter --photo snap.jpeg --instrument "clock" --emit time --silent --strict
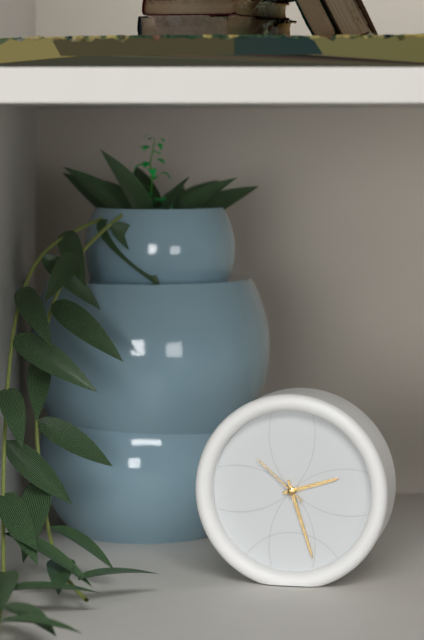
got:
2:27:52
